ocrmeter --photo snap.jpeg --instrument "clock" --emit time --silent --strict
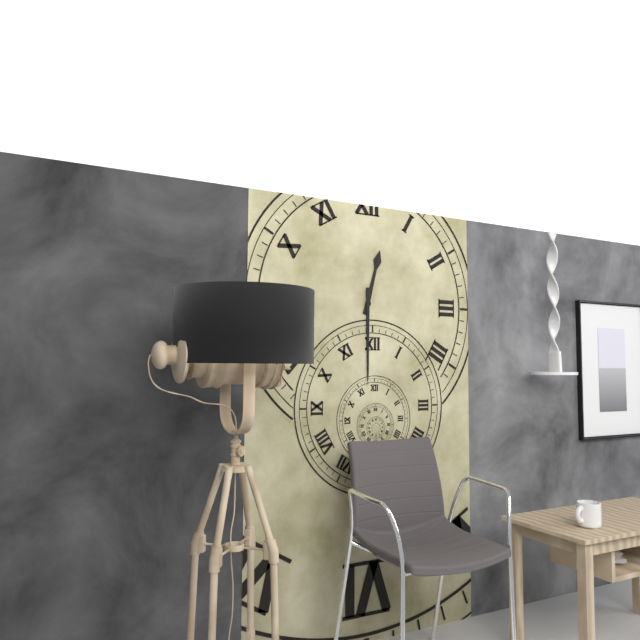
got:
12:30
